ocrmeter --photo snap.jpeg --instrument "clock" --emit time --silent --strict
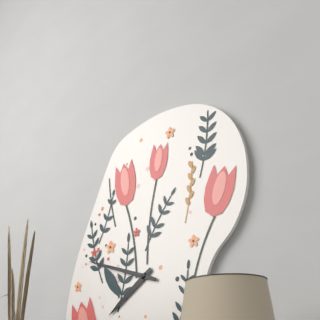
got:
7:48
